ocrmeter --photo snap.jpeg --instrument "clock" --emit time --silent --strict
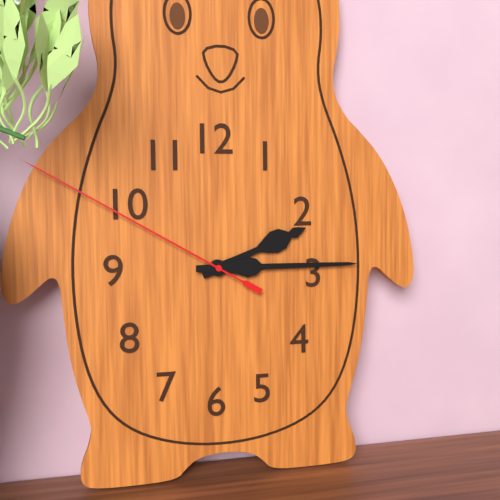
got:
2:15:50
